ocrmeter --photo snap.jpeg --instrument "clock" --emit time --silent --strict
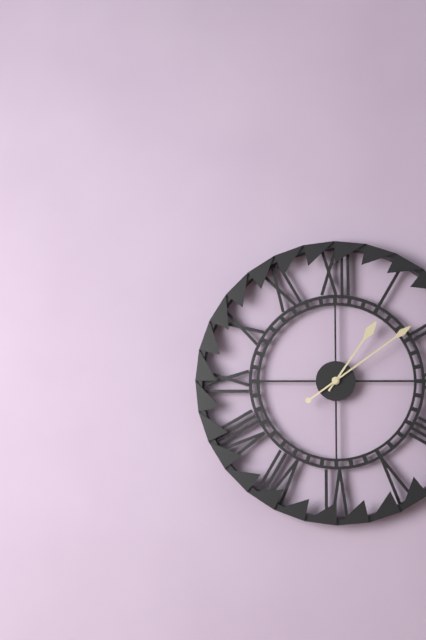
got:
1:09
